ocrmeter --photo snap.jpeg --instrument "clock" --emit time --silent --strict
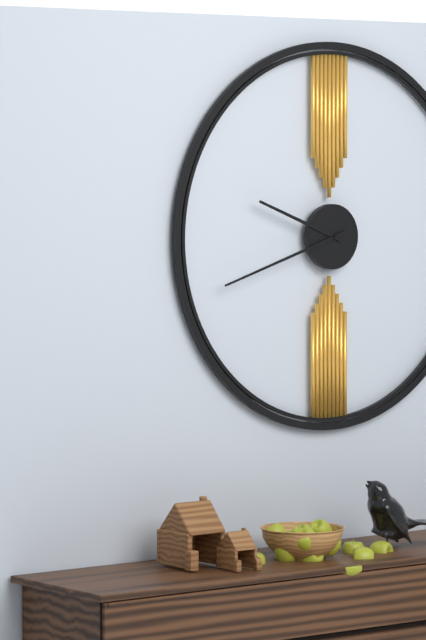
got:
9:42
